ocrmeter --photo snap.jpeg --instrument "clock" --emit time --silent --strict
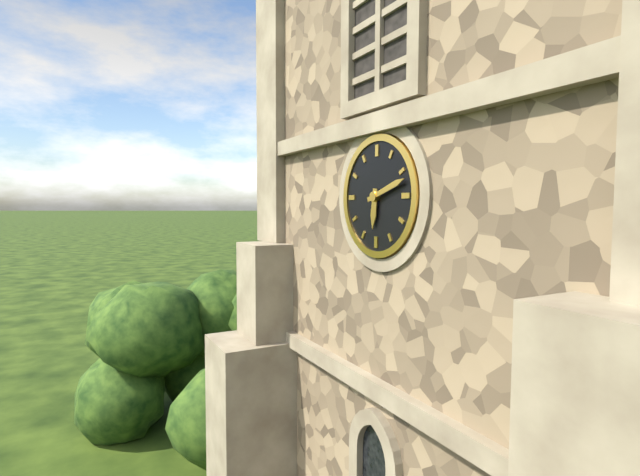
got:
6:12
